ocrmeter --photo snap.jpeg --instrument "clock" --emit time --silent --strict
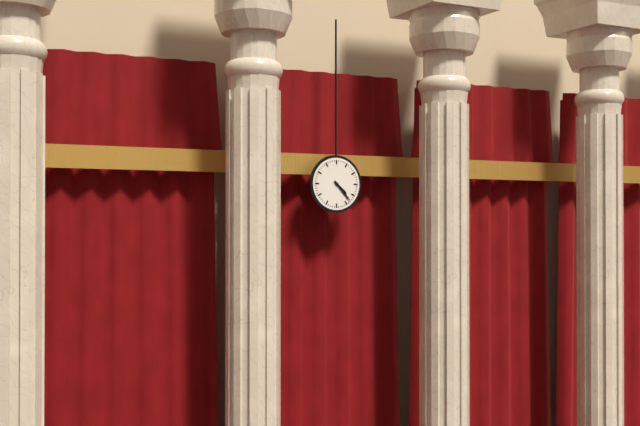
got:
4:23
